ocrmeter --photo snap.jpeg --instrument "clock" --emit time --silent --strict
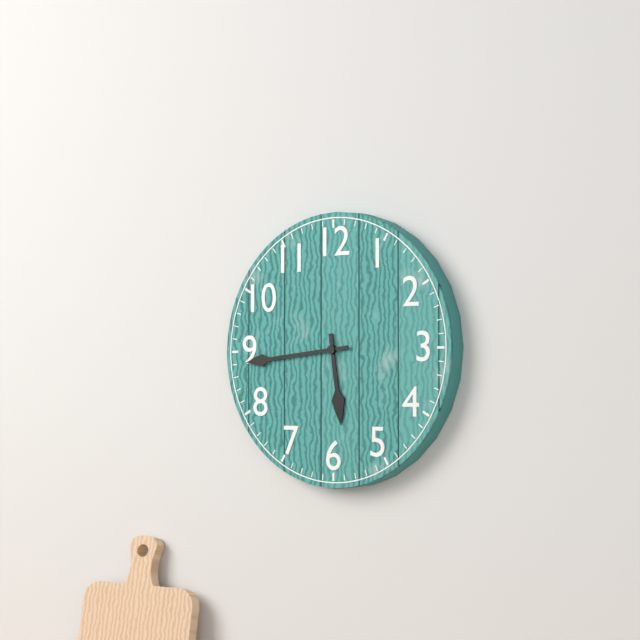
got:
5:44
